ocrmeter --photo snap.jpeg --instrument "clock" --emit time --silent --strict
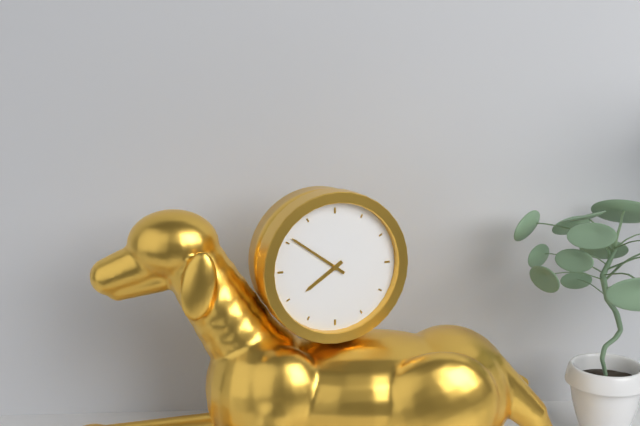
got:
7:51
